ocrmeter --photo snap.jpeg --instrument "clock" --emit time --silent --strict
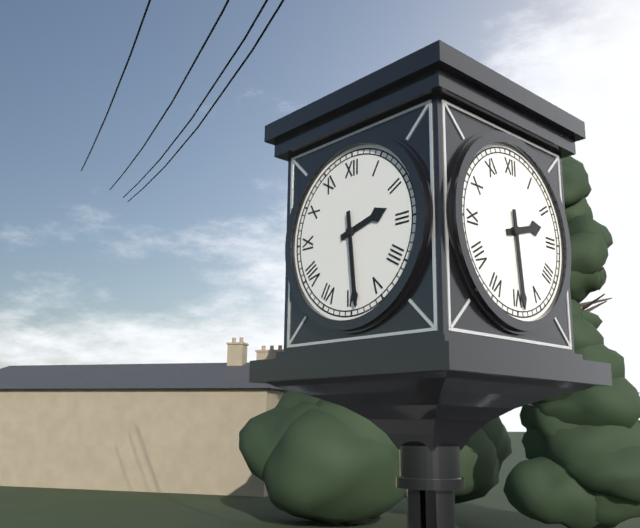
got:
2:29
